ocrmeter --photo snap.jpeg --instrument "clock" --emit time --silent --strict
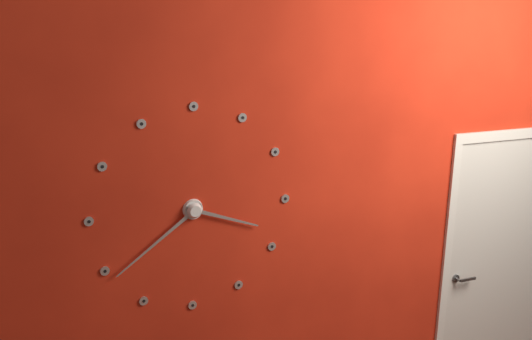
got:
3:39
